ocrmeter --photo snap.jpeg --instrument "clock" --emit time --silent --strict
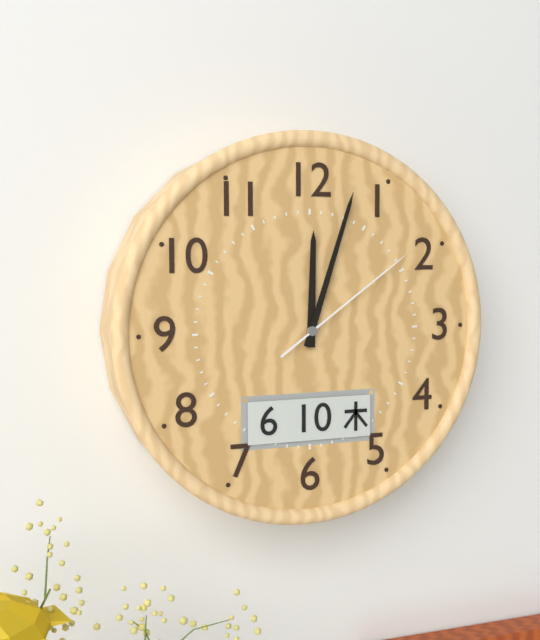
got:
12:03:09
